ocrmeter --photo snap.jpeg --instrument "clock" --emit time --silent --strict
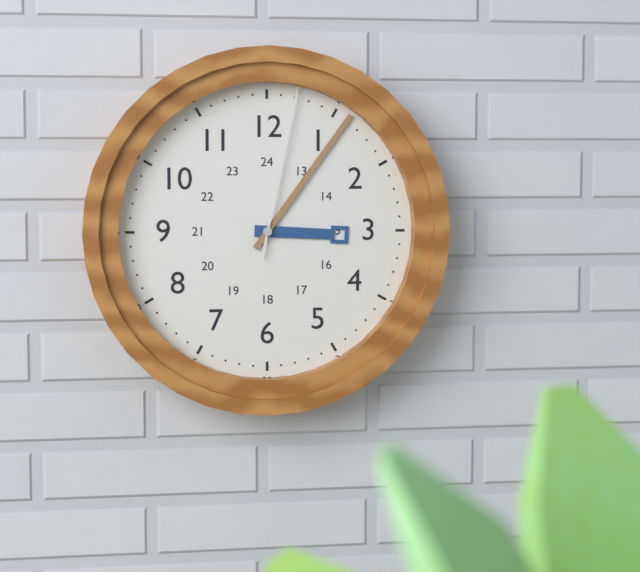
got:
3:06:02
